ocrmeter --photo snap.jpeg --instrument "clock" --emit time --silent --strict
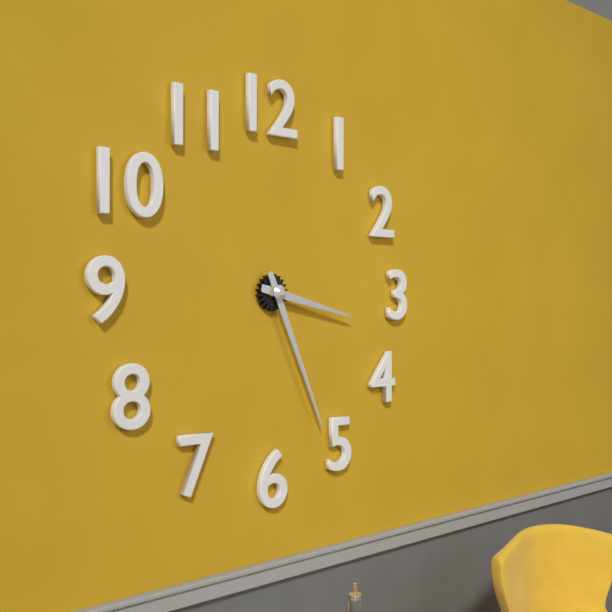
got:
3:26
